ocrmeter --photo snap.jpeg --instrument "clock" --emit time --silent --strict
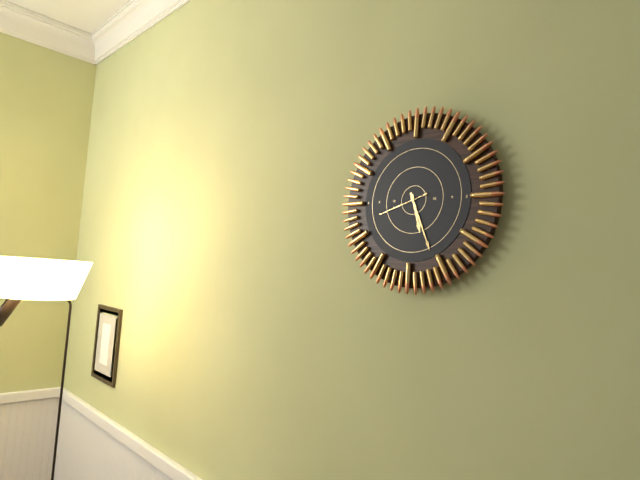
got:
5:26
